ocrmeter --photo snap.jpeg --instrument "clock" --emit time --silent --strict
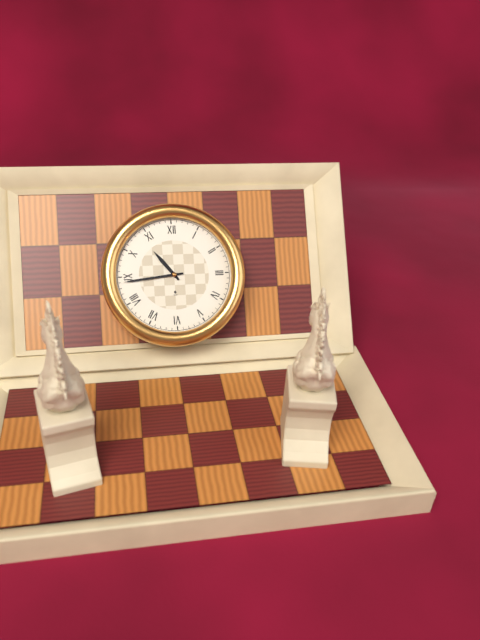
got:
10:44
